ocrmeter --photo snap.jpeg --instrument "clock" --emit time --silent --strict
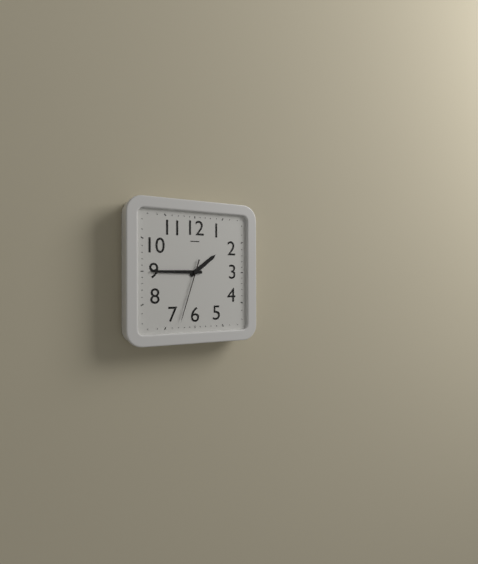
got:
1:45:33
